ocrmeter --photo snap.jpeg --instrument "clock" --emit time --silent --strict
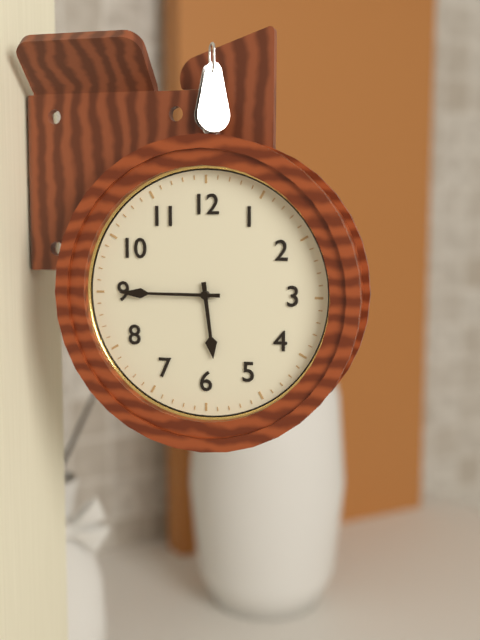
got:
5:45
